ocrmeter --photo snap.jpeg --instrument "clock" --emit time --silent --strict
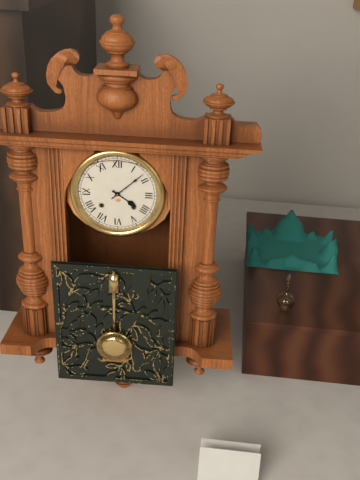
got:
4:08
